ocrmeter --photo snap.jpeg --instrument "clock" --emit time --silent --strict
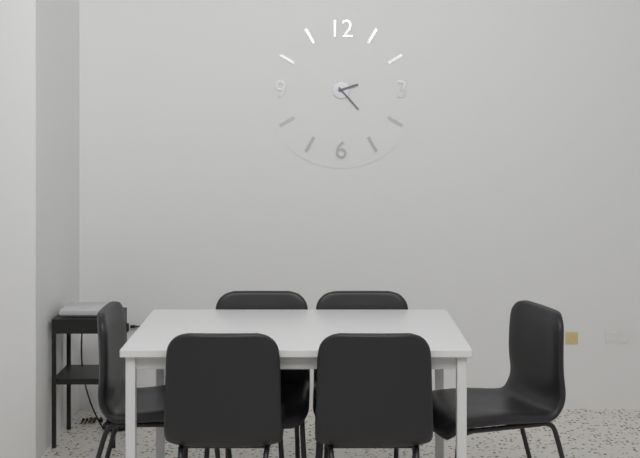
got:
2:23
